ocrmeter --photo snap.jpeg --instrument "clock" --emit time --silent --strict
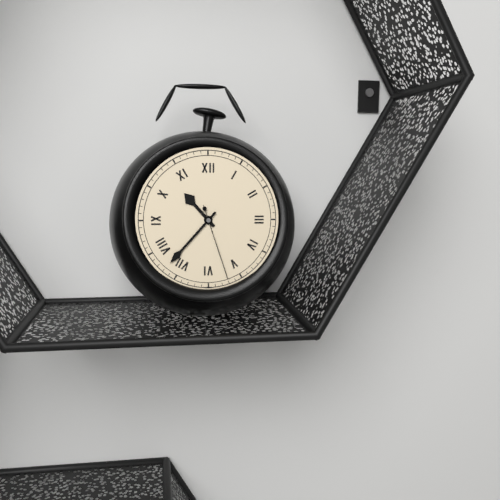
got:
10:37:27
